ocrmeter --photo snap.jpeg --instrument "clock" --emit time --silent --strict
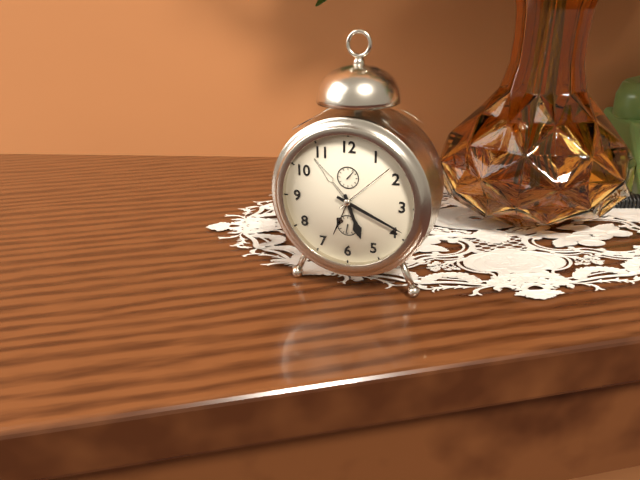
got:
5:19
